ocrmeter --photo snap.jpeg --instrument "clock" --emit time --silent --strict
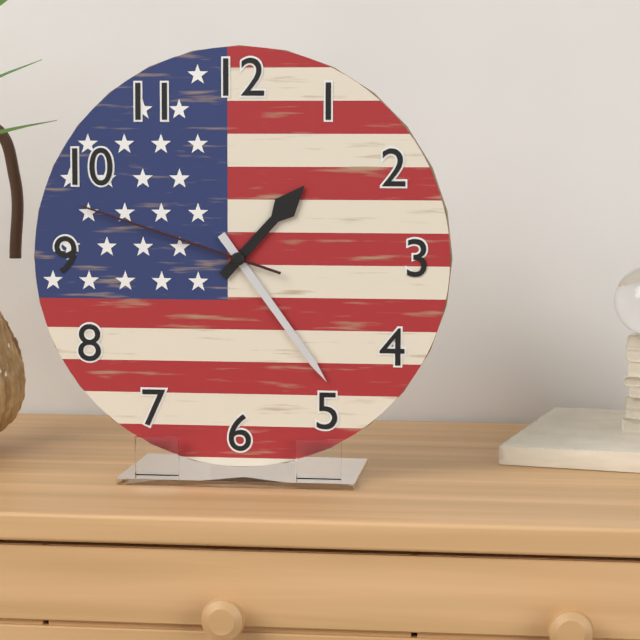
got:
1:24:48
